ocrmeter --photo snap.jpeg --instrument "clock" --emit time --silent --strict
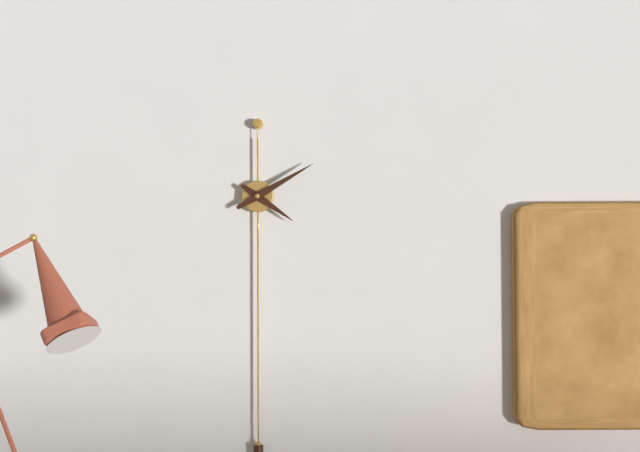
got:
4:10
